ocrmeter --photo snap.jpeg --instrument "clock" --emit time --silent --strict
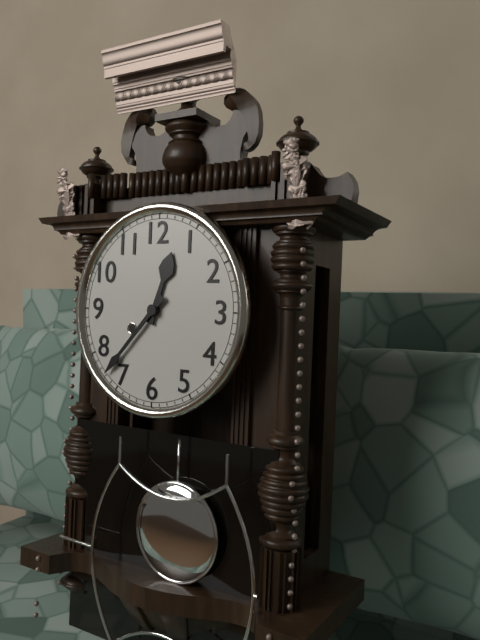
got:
12:37
